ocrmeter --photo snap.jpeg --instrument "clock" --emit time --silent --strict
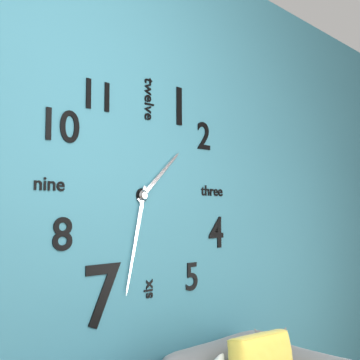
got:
1:32
